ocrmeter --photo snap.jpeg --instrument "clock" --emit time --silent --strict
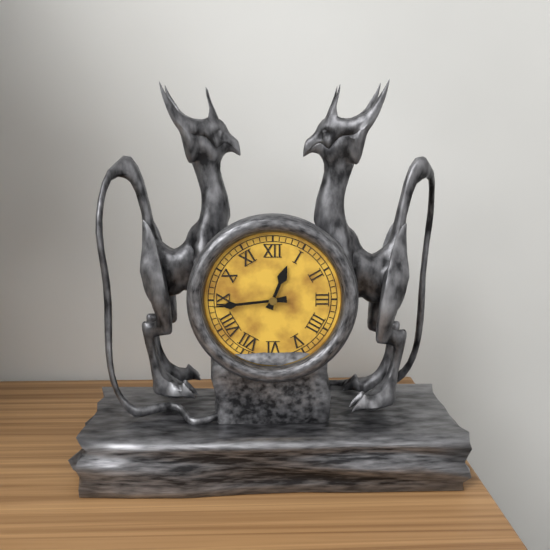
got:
12:44
